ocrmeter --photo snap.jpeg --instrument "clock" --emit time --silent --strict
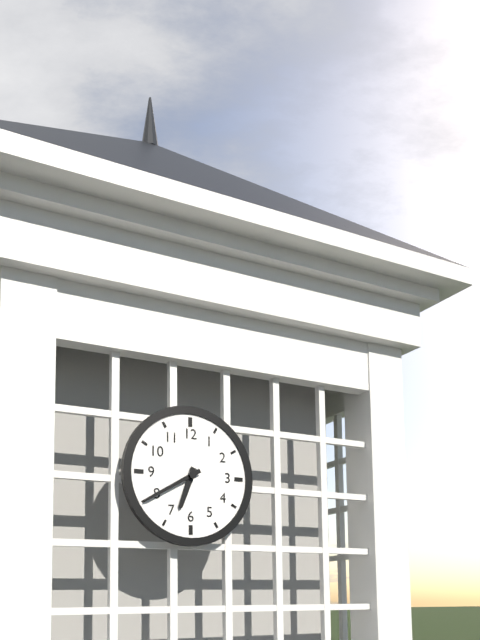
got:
6:40
